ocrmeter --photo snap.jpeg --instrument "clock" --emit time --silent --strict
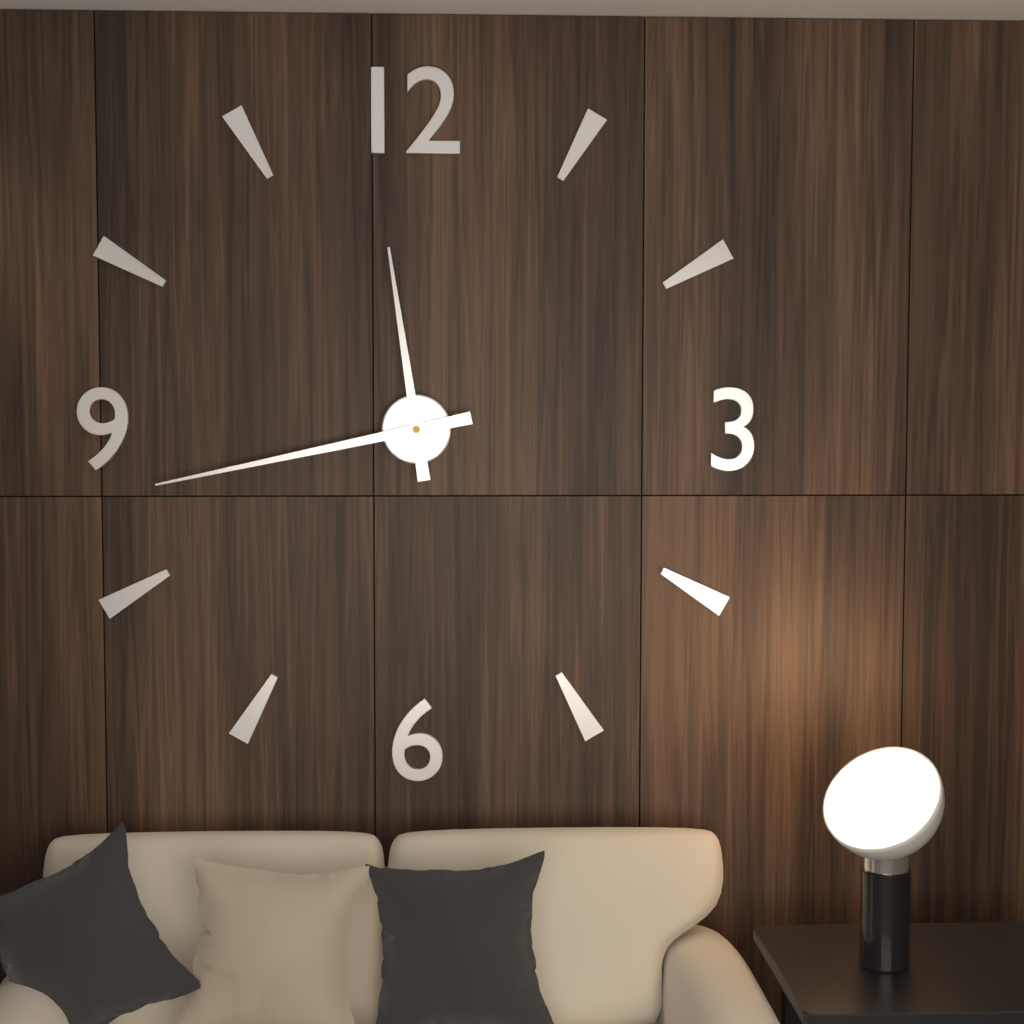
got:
11:43
